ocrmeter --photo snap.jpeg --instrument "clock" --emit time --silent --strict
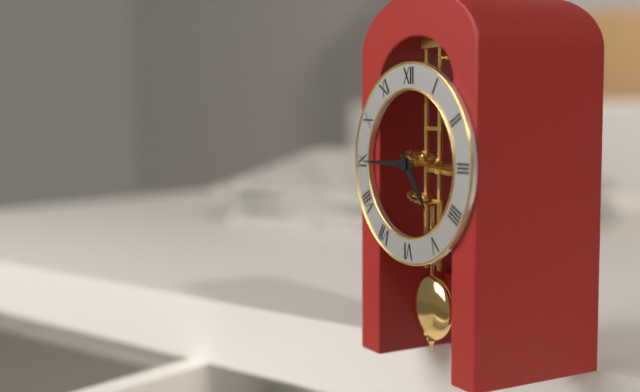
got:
4:45
